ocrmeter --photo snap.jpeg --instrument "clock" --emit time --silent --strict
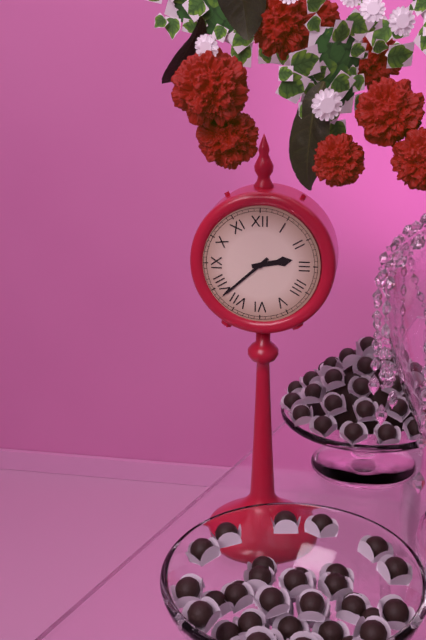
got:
2:38
